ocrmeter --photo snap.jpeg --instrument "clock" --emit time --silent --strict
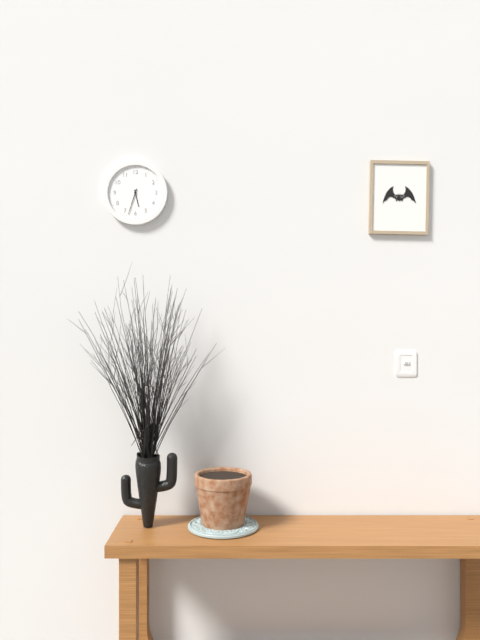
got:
5:33
